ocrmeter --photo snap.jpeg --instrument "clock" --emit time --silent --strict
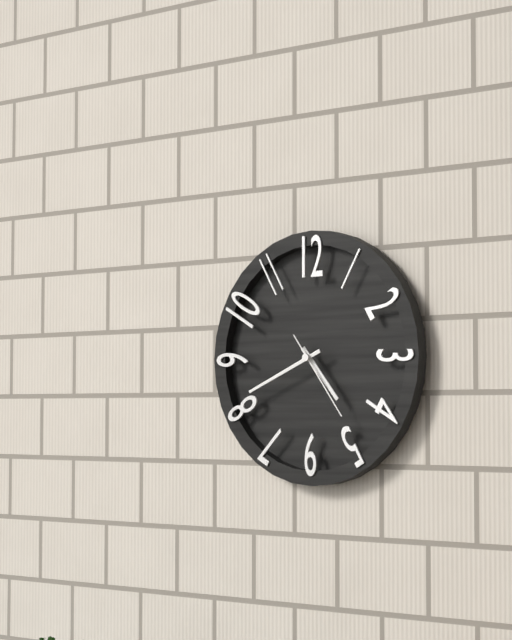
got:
4:41:24
